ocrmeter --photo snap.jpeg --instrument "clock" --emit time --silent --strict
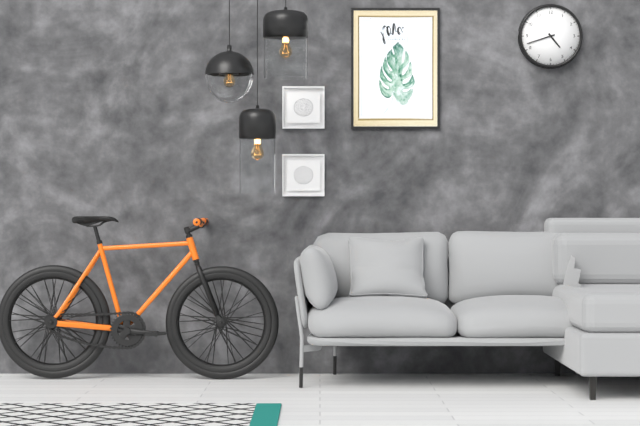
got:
4:42
